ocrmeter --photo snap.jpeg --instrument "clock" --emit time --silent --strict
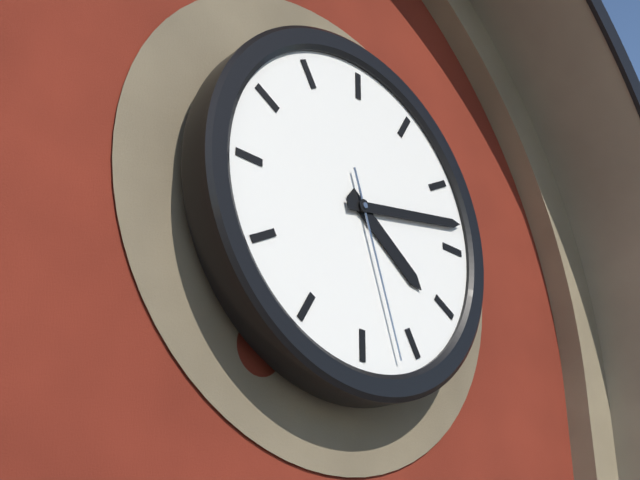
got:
4:13:27
